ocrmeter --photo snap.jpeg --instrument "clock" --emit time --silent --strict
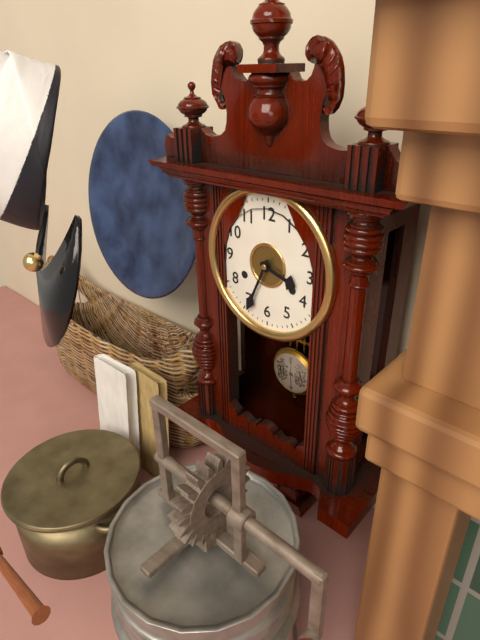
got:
3:34
